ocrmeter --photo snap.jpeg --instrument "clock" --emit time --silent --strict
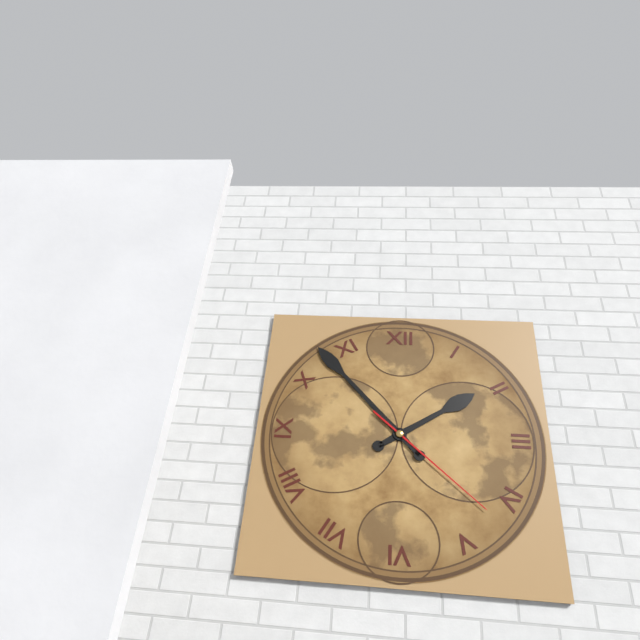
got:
1:53:22
